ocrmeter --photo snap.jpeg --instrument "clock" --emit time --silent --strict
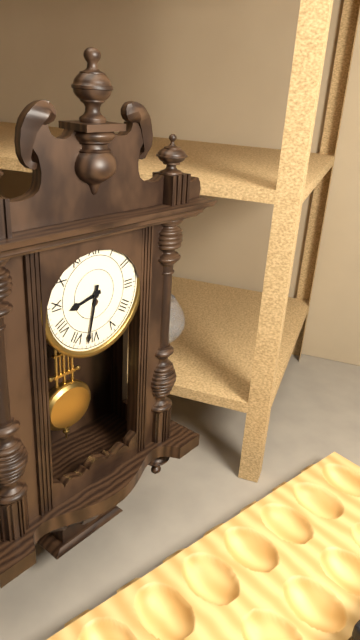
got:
8:32
